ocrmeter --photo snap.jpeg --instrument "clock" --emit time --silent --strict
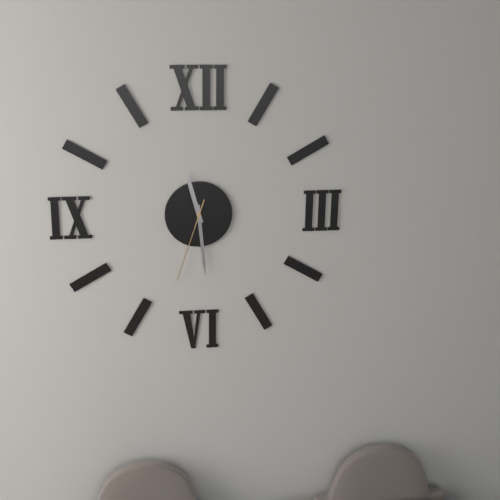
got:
11:29:33
